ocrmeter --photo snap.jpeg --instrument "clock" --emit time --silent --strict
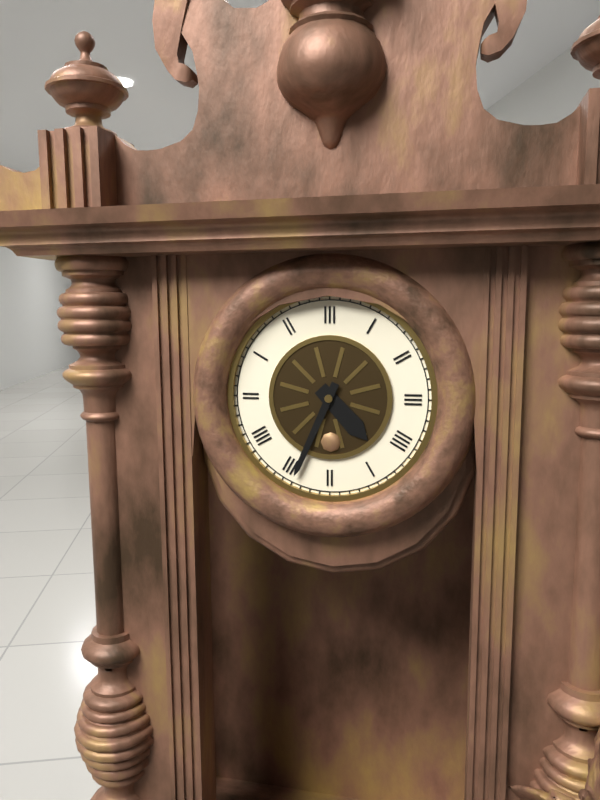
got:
4:34
